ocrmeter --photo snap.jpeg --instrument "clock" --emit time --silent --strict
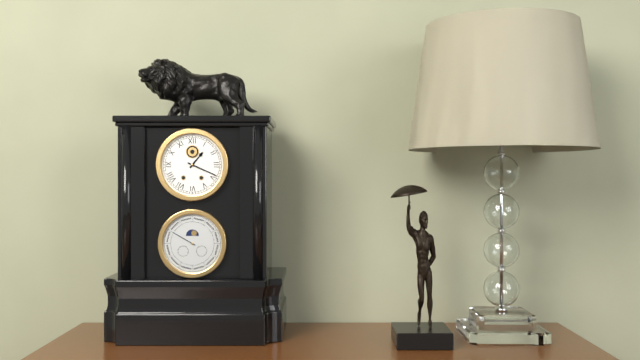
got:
1:19
